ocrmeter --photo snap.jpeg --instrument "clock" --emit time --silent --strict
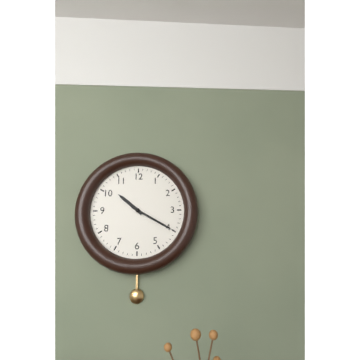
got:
10:20
